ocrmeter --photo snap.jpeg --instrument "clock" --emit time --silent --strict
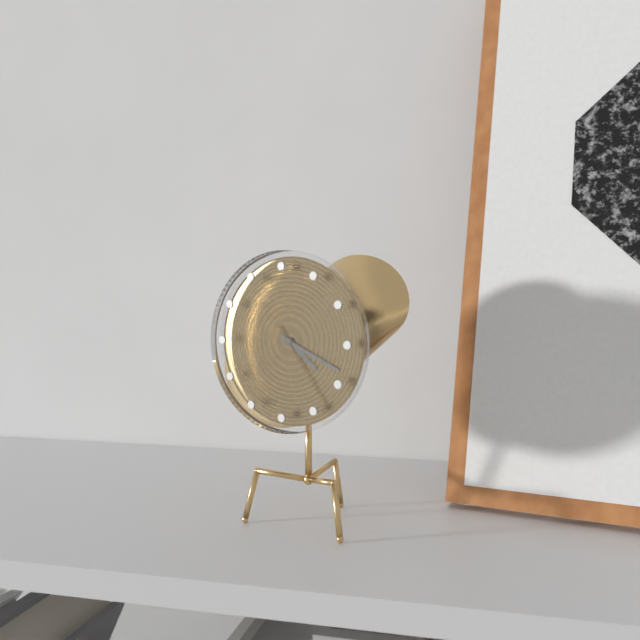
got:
4:19:24
